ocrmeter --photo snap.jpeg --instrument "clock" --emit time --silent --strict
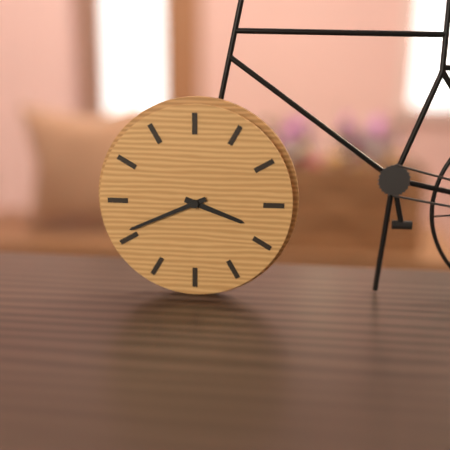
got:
3:41
